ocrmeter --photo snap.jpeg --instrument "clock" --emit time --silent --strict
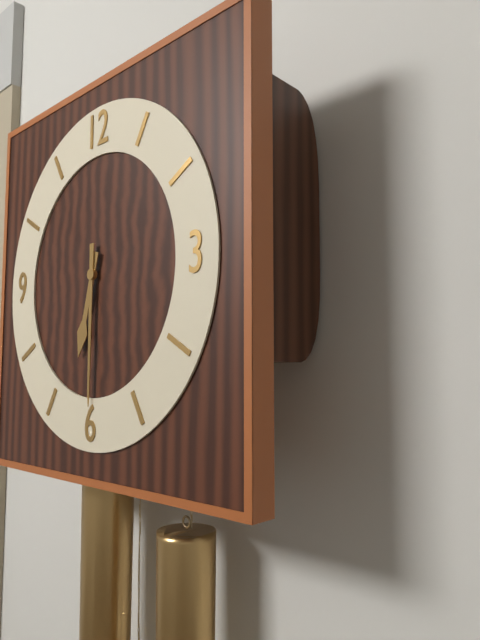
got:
6:30
